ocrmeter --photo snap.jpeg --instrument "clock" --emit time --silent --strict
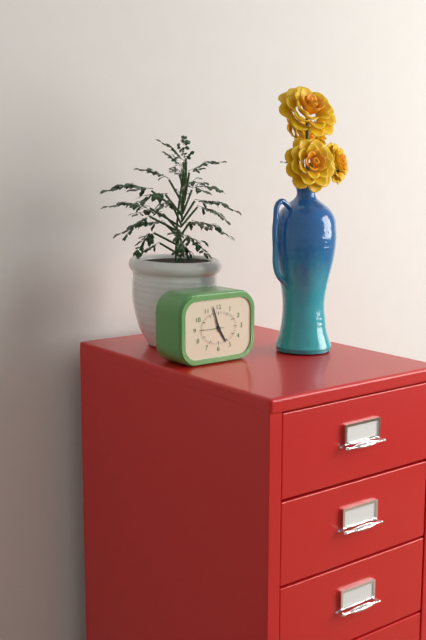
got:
4:57
